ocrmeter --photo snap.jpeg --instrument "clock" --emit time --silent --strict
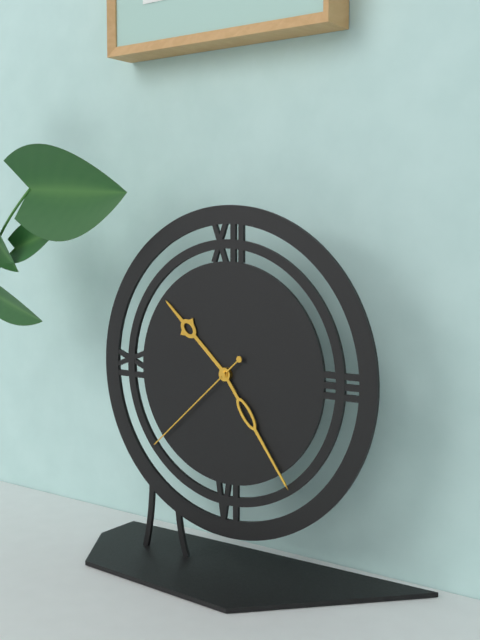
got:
10:24:38
